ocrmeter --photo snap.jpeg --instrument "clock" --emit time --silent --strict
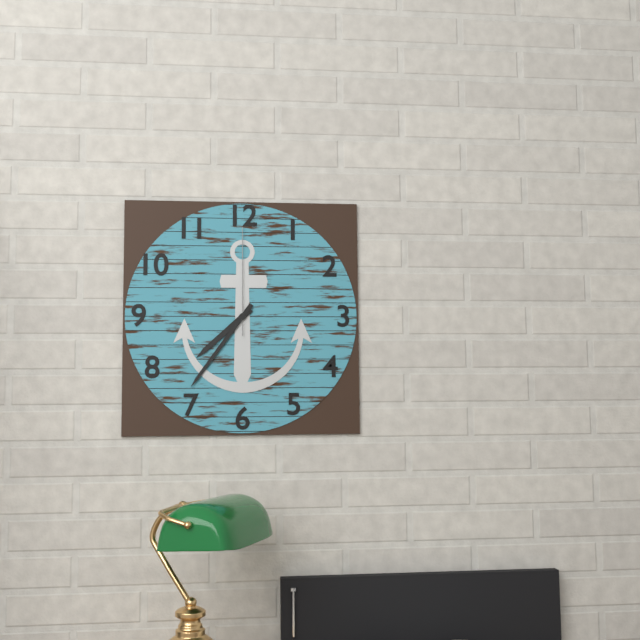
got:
7:36:00
